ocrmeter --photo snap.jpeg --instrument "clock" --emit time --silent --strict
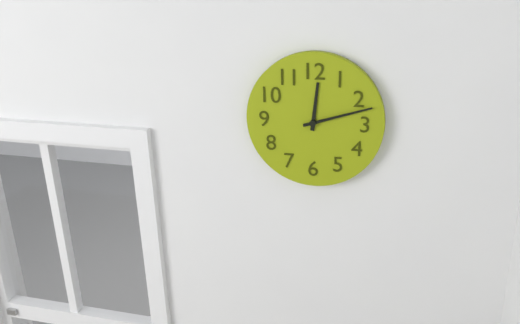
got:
12:12
